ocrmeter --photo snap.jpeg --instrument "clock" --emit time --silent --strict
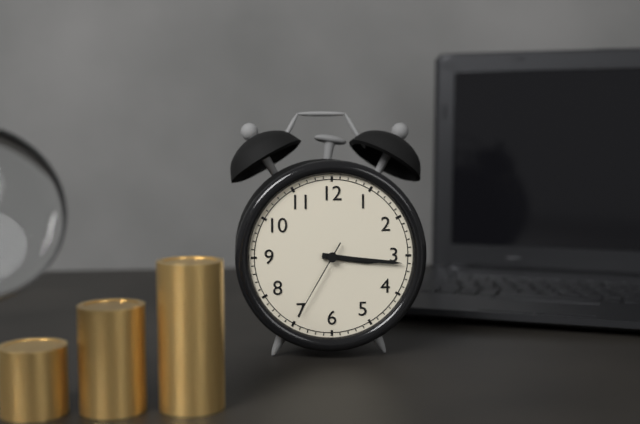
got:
3:16:35
